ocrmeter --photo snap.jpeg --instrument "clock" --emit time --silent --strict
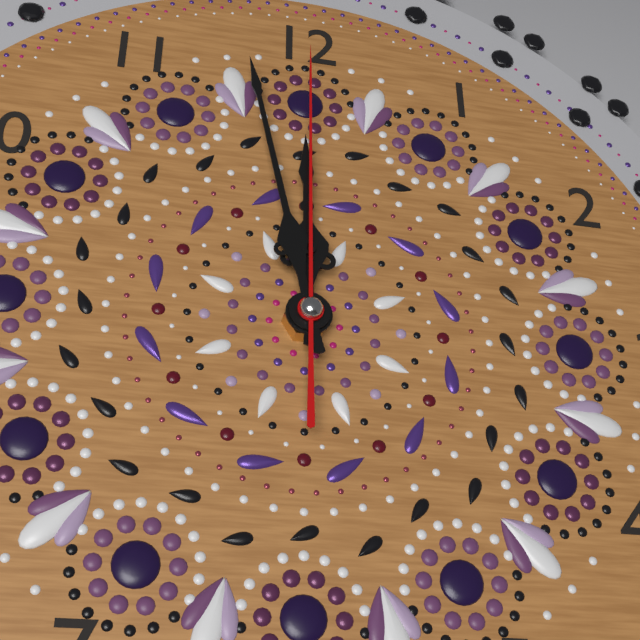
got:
11:58:00
